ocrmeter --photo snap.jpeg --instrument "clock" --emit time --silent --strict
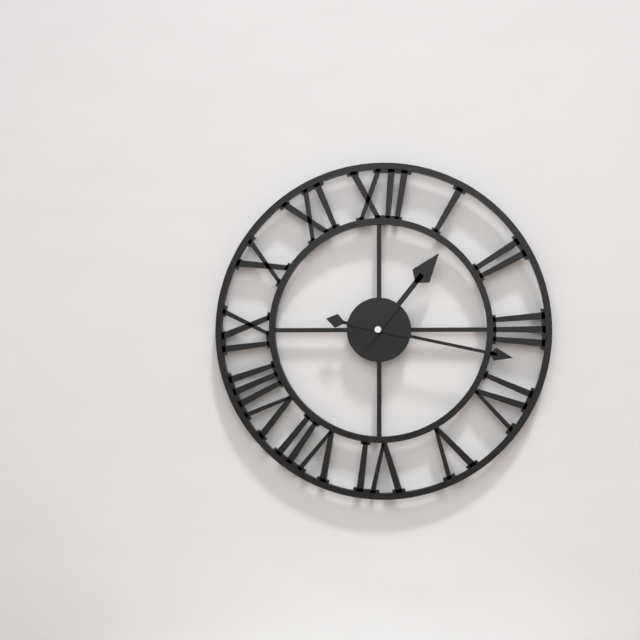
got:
1:17
